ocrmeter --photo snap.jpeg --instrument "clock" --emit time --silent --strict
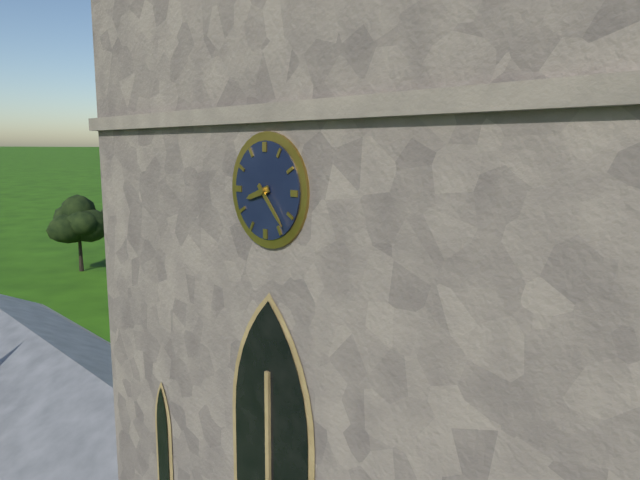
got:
8:23
